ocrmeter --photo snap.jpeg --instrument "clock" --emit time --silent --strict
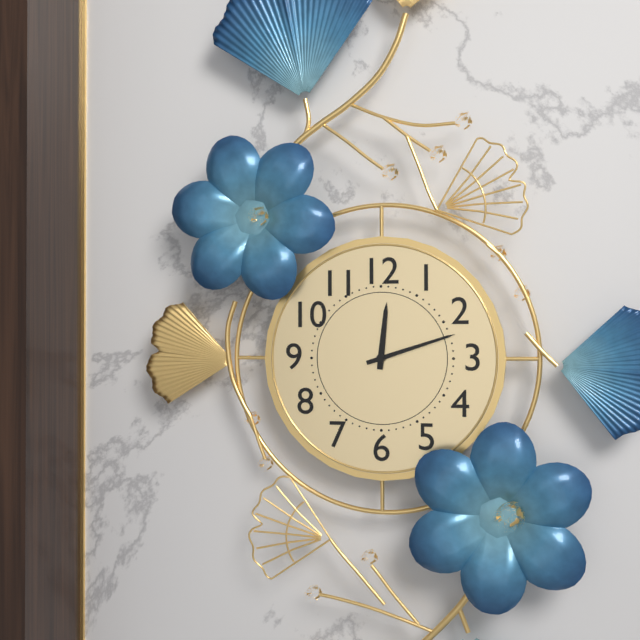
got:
12:12
